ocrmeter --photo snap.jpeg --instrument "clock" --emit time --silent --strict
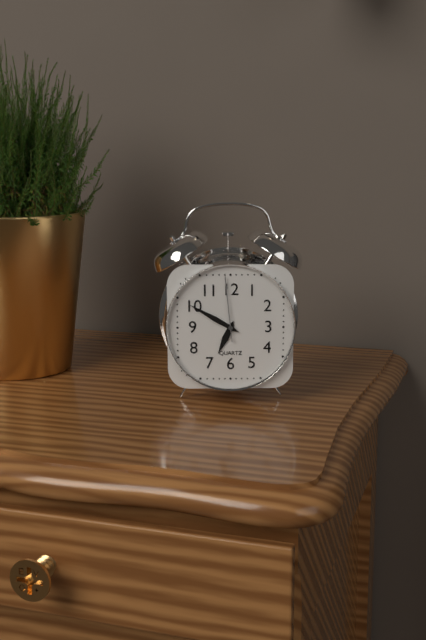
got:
6:50:59
